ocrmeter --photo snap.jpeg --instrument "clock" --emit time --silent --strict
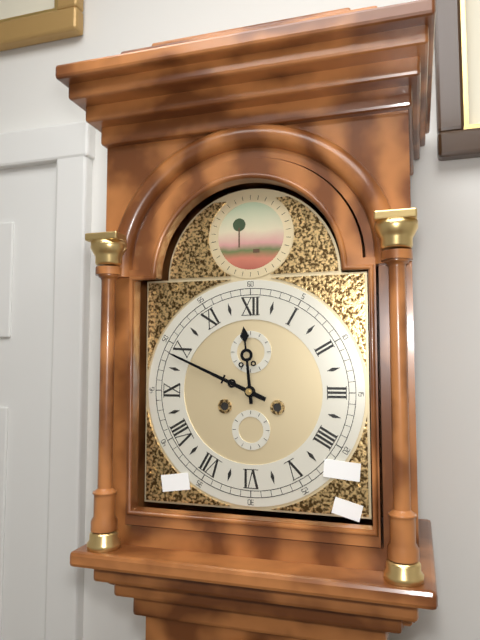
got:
11:49
